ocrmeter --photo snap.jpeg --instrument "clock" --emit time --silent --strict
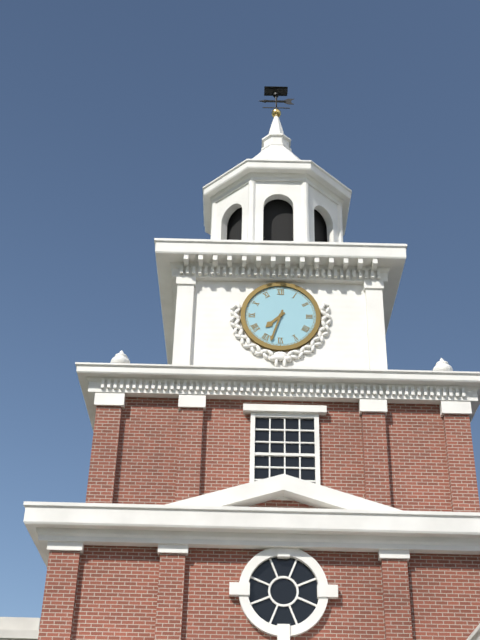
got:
7:33
